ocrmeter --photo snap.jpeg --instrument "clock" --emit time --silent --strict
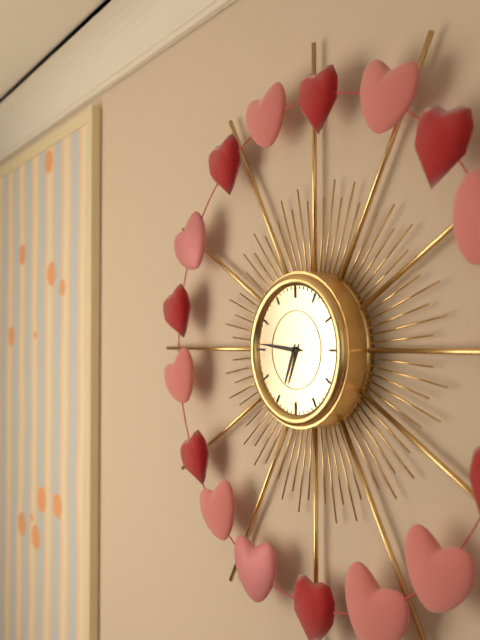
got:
6:46
